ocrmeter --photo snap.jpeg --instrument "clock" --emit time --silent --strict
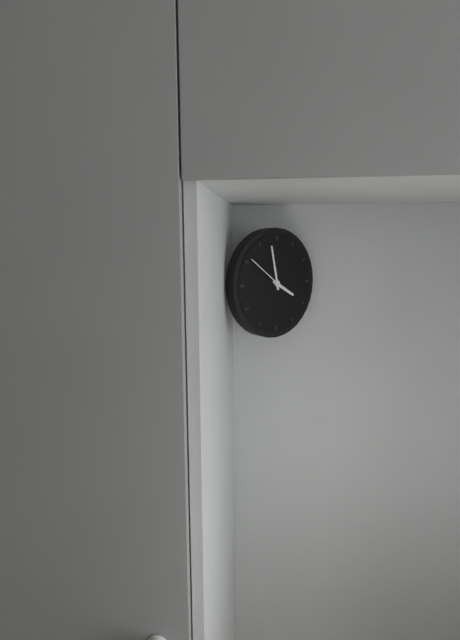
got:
3:58
